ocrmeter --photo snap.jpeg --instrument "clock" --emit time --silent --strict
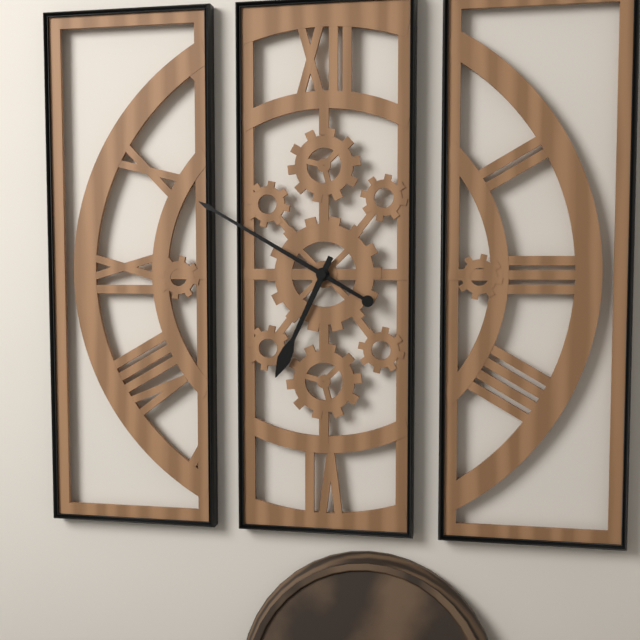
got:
6:50
